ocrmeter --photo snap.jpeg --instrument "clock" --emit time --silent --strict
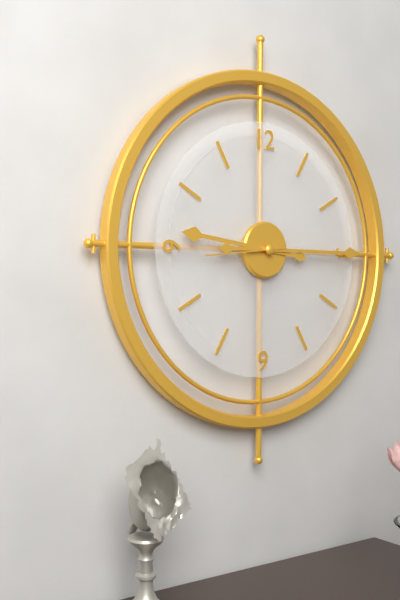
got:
9:15:44
